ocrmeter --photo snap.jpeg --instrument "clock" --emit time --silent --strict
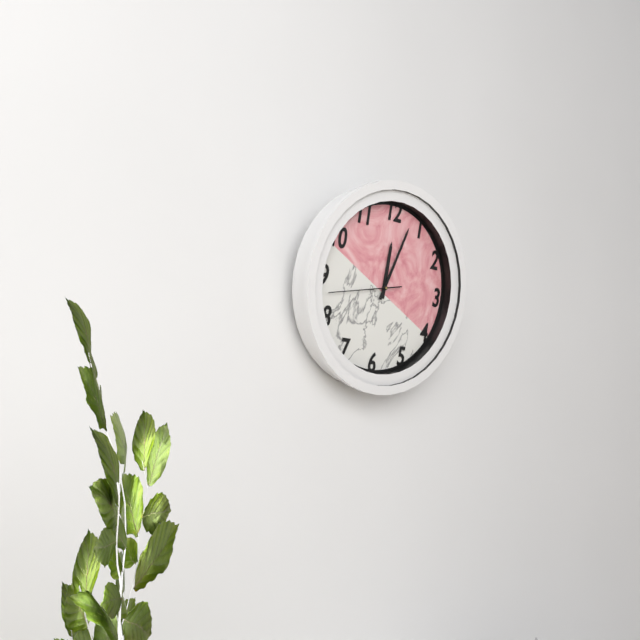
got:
12:03:43
